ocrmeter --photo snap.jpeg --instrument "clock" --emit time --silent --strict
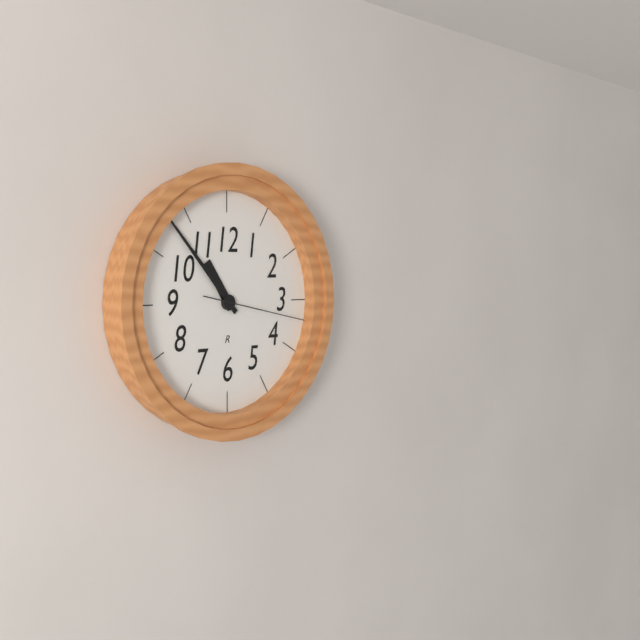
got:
10:53:17
